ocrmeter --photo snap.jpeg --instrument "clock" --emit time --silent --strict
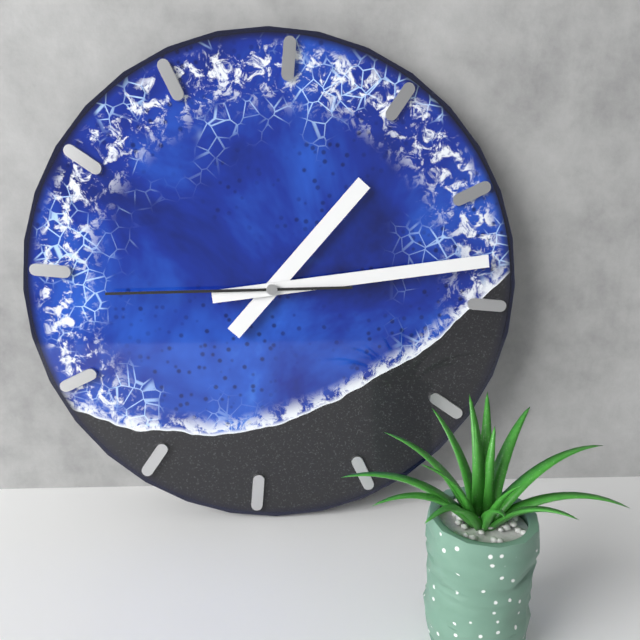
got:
1:13:44
